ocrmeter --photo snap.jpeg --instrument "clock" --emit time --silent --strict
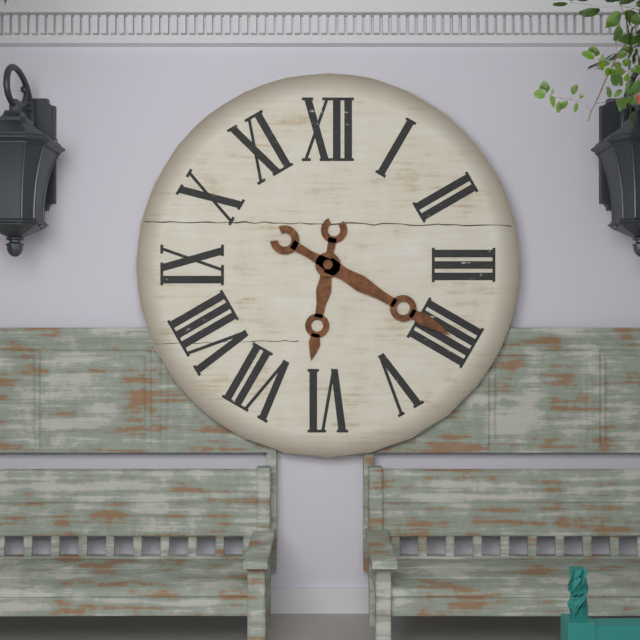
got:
6:20
